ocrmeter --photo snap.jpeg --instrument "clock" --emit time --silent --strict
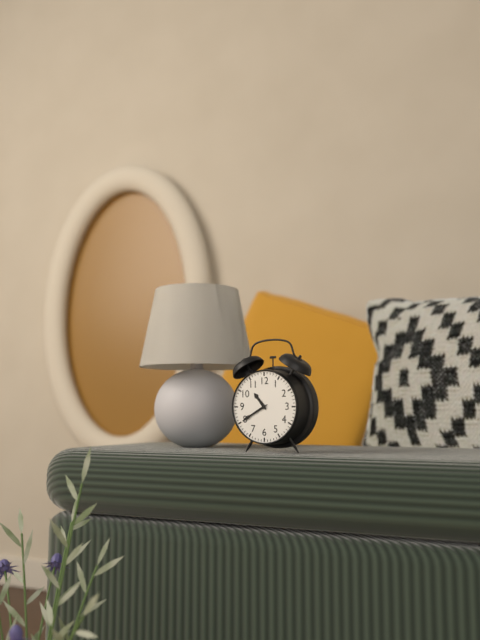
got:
10:40
